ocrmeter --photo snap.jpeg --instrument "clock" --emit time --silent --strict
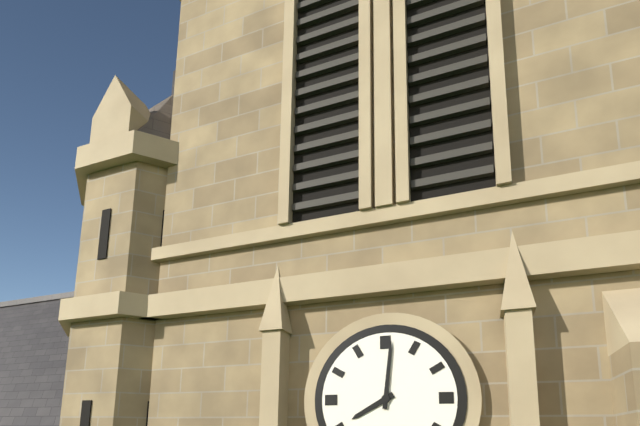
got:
8:01
